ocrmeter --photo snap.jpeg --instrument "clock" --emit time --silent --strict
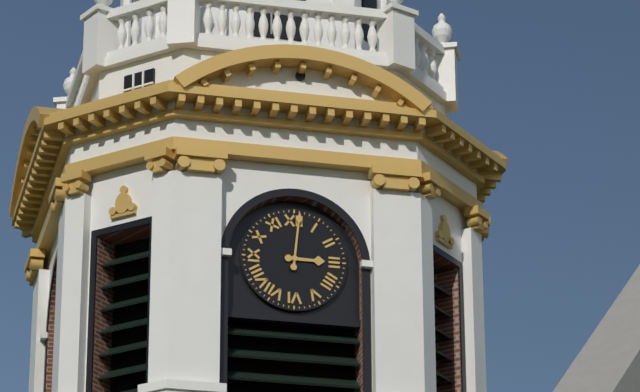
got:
3:01
